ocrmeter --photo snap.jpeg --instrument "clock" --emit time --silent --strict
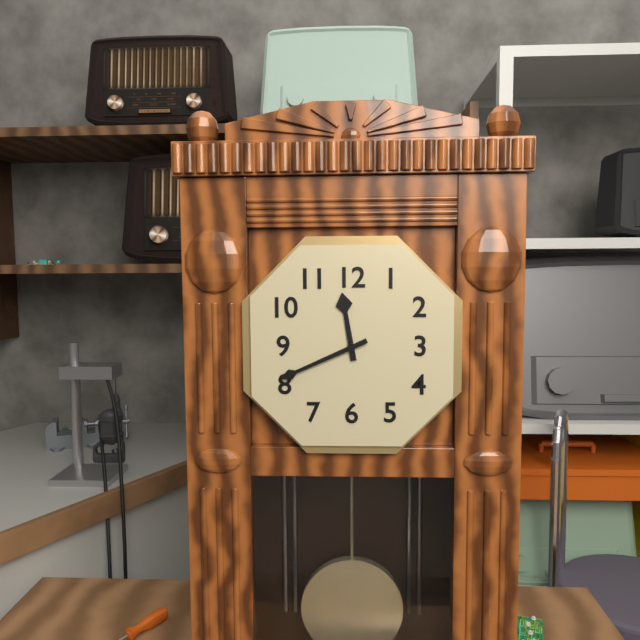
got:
11:41
